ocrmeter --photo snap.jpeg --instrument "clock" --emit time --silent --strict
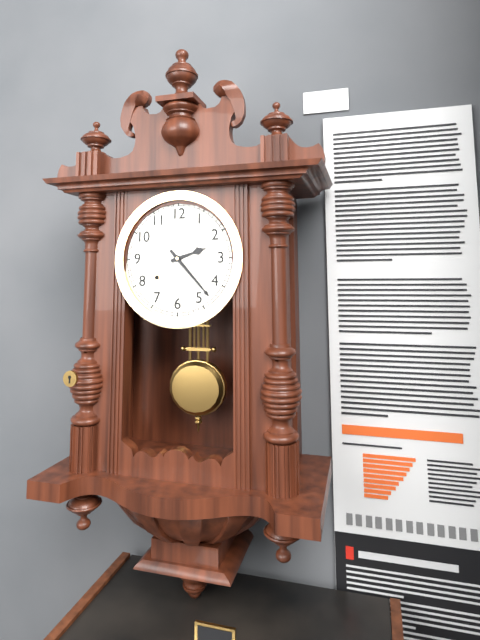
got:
2:23
